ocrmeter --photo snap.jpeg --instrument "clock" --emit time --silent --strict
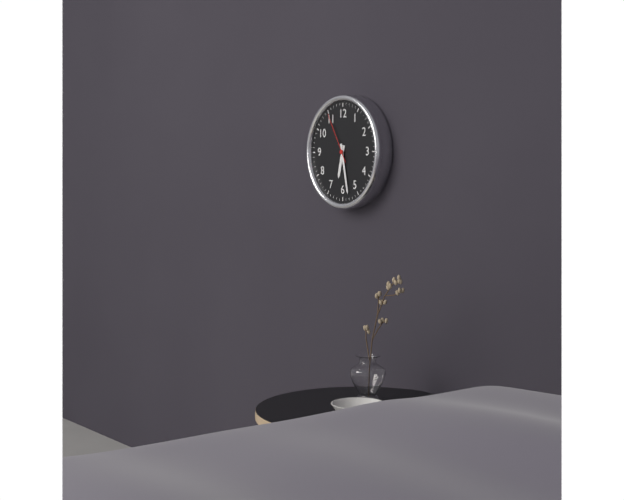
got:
6:28:55
